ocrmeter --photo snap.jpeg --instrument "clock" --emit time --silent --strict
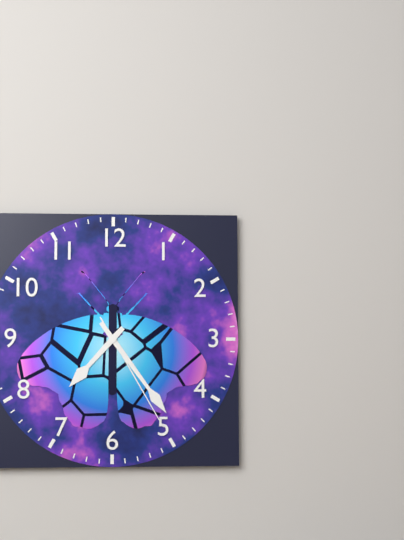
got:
7:24:25
